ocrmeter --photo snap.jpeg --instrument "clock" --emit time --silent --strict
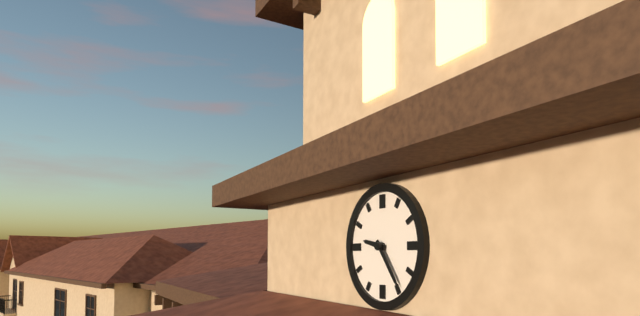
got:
9:24
